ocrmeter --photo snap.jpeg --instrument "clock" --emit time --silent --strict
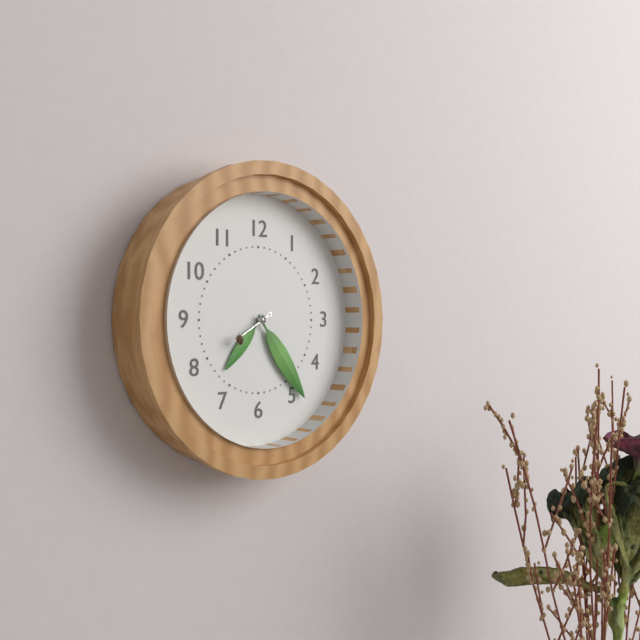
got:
7:24
